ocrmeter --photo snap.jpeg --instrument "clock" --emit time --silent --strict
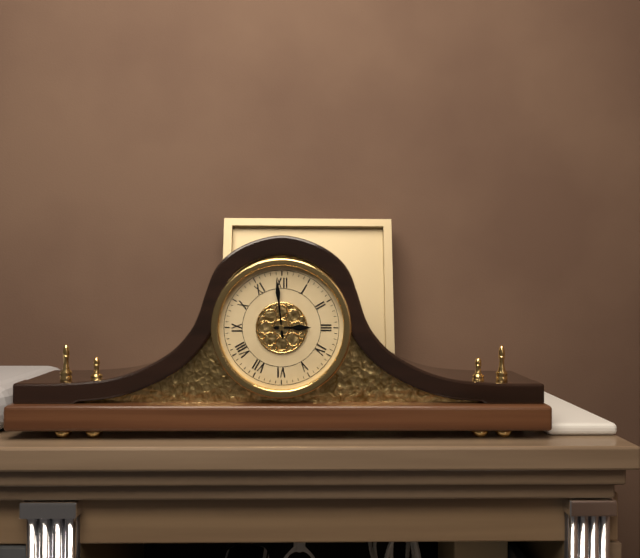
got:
2:59
